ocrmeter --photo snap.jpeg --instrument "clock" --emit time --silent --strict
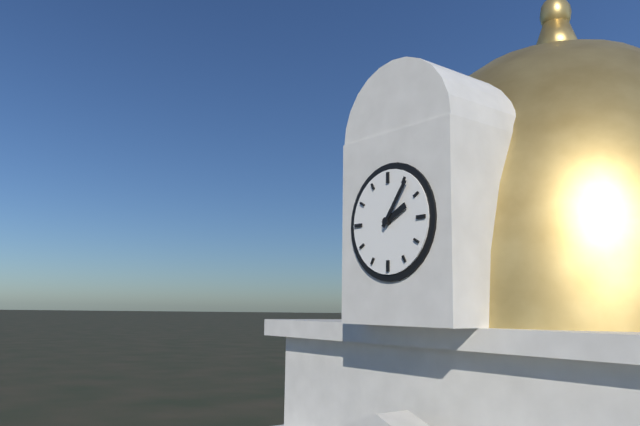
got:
2:06
